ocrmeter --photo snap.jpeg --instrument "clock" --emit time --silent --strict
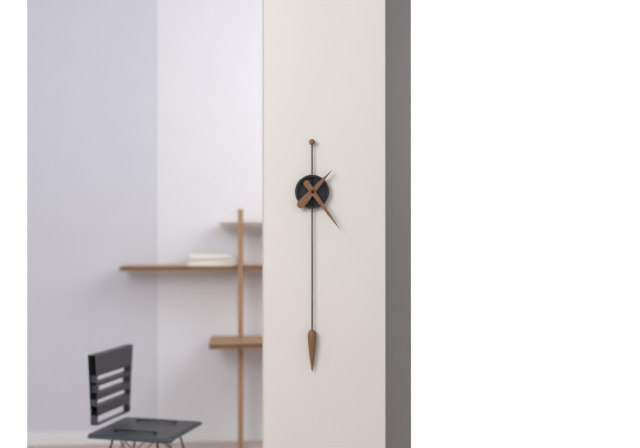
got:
1:24
